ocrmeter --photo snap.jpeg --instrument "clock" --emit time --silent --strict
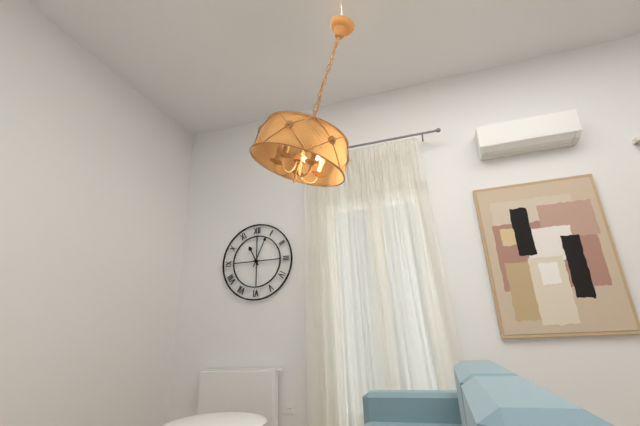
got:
11:04
